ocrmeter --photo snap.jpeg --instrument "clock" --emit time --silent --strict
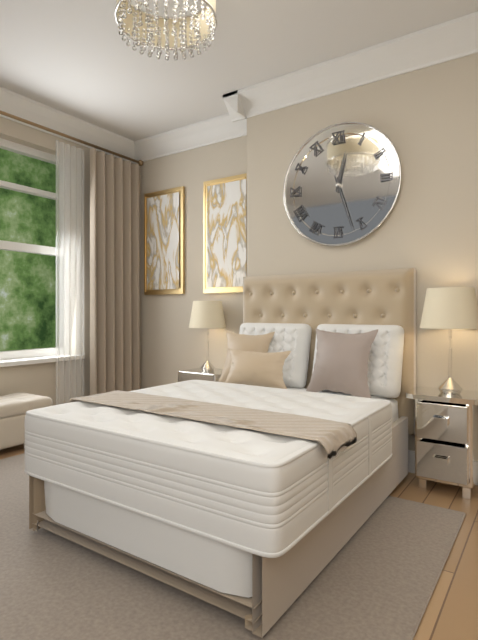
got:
12:27
